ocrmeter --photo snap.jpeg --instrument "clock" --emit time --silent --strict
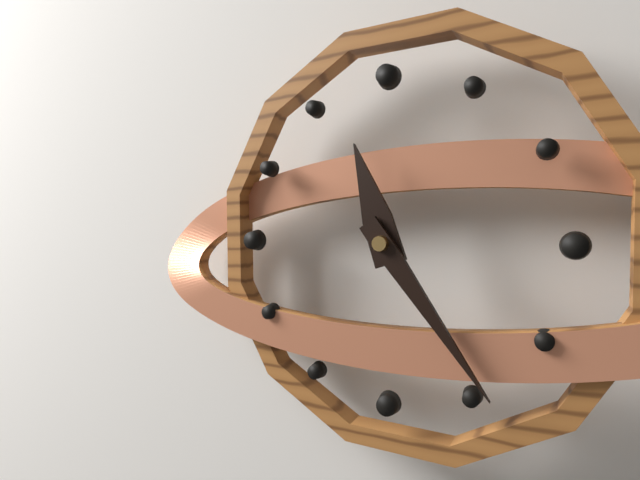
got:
11:24
